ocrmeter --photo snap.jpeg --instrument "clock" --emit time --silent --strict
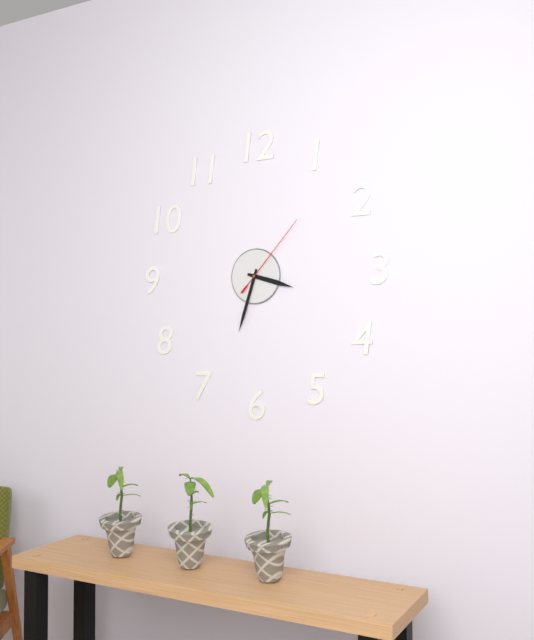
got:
3:33:07
